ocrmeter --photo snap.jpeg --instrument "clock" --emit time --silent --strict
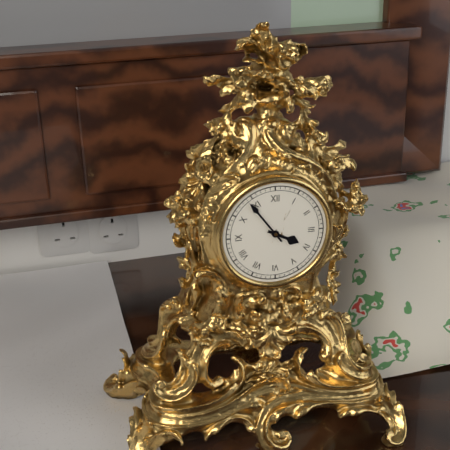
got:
3:54
